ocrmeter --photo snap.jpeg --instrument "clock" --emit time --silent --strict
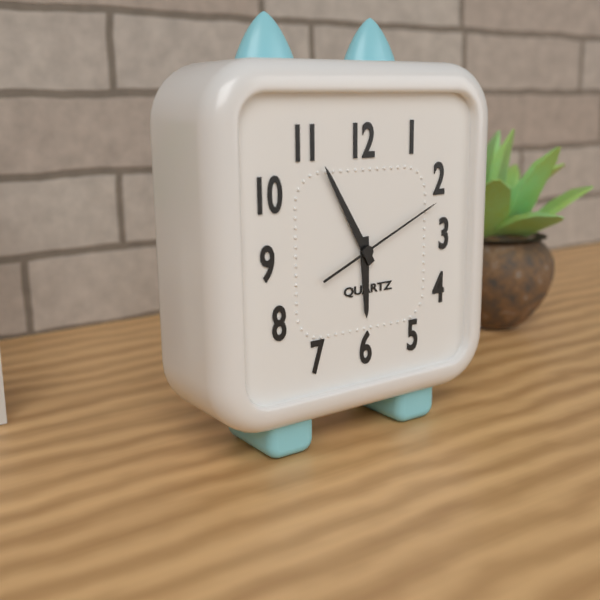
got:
5:55:11
